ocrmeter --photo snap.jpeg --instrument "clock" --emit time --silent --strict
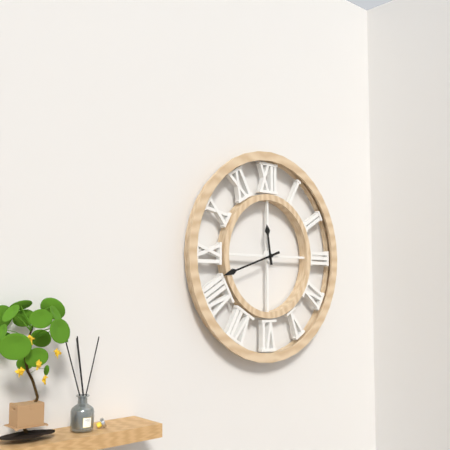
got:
11:42
